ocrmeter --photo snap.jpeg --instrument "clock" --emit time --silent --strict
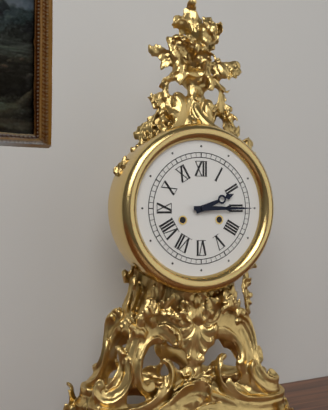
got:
2:15
